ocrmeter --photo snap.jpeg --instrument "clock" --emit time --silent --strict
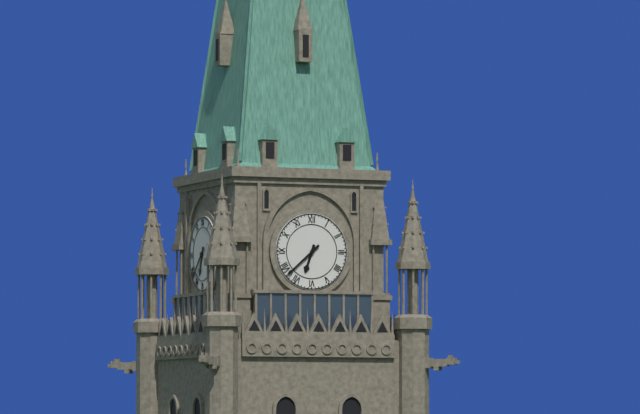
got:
6:38
